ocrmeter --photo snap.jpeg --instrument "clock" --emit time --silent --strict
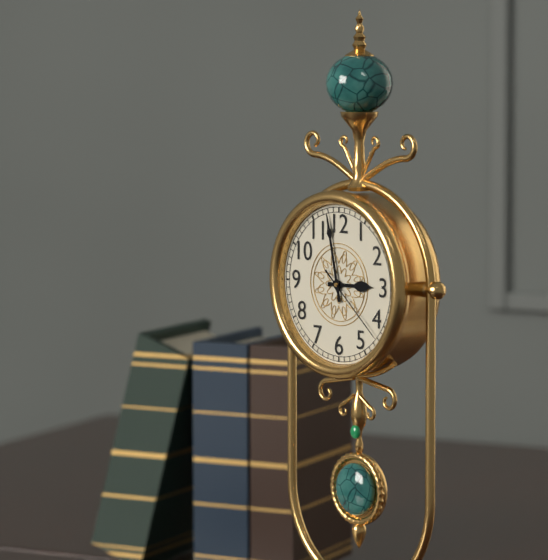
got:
2:58:22
